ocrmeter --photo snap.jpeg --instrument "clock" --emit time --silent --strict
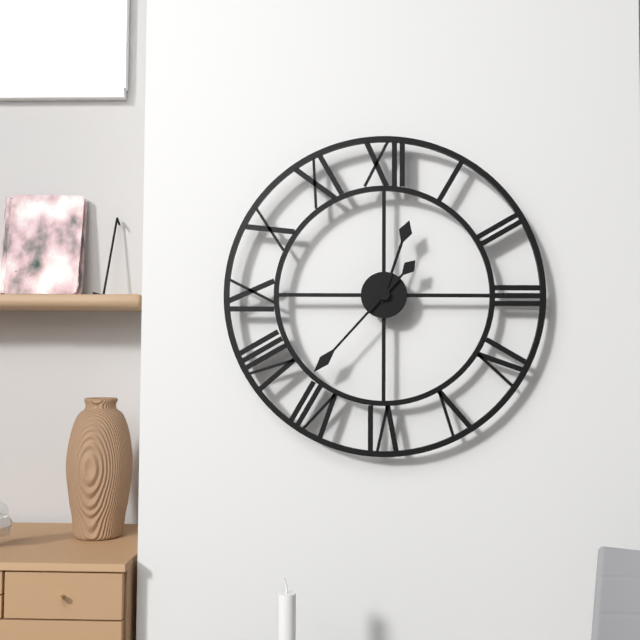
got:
12:37
